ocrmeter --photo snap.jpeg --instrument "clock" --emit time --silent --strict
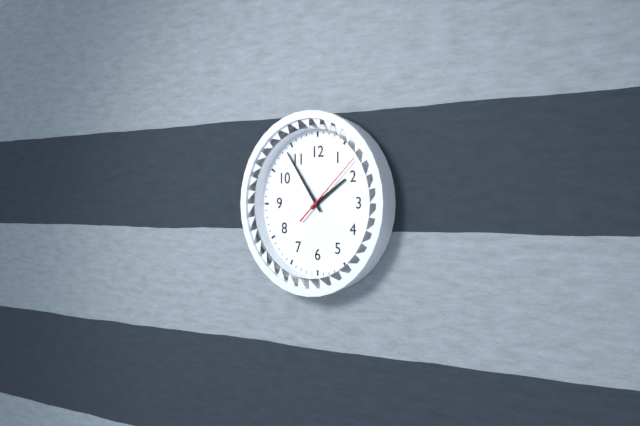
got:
1:54:08
